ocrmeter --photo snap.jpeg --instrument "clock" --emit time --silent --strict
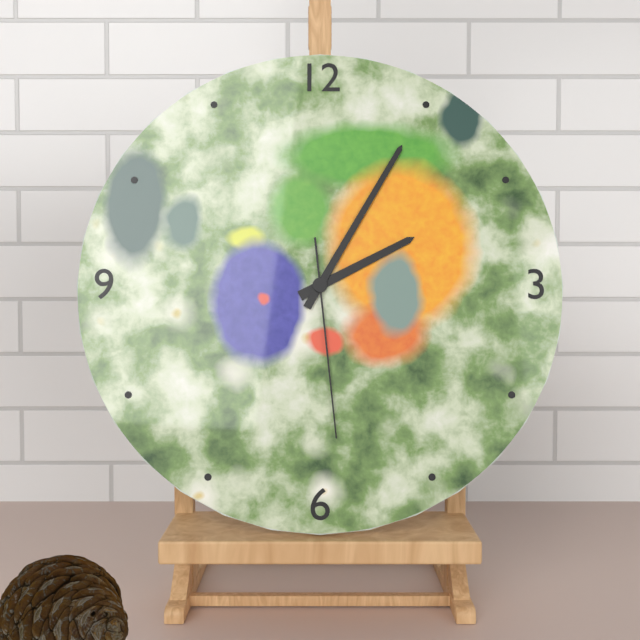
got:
2:05:29
